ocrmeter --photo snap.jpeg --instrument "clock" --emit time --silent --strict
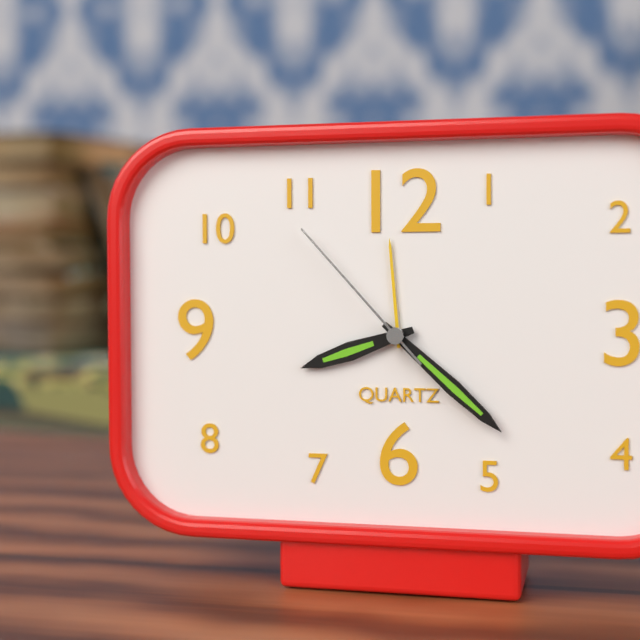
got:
8:22:53
